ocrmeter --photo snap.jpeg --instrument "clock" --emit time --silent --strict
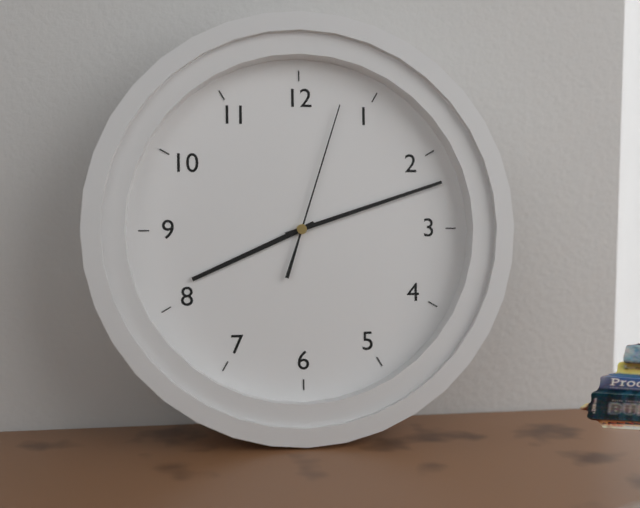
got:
8:12:03
